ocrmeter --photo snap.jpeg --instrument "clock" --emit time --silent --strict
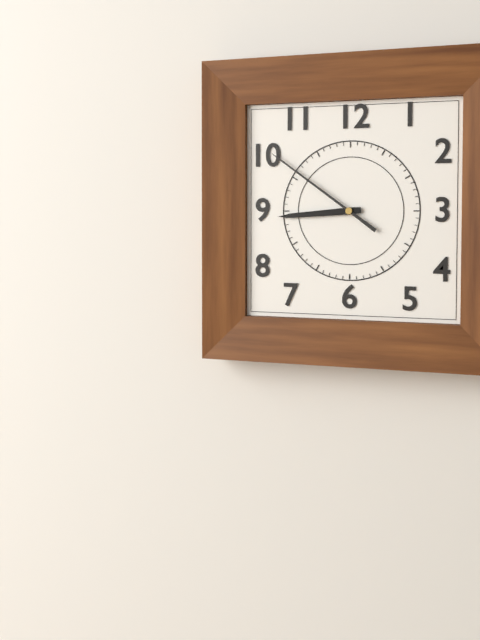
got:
8:51
